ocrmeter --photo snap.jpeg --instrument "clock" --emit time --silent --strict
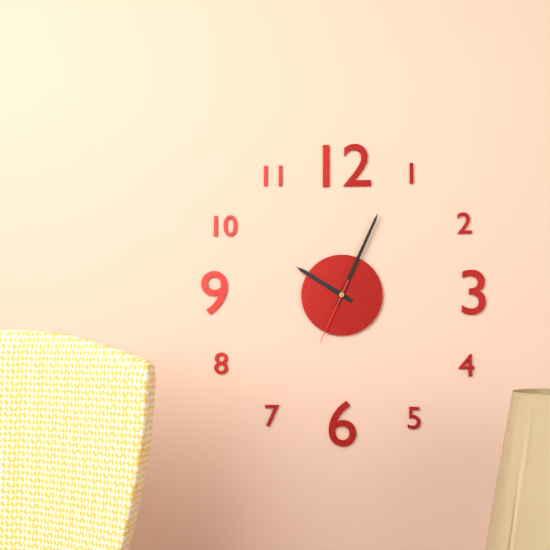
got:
10:04:34
